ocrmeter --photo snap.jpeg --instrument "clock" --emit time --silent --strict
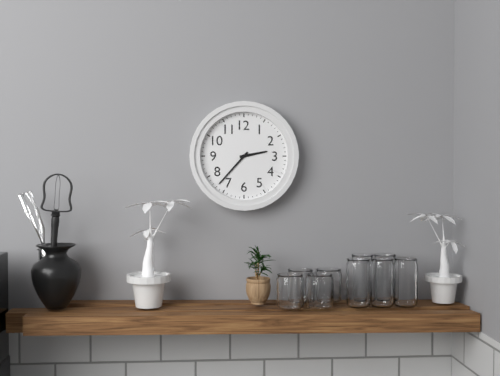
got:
2:37
